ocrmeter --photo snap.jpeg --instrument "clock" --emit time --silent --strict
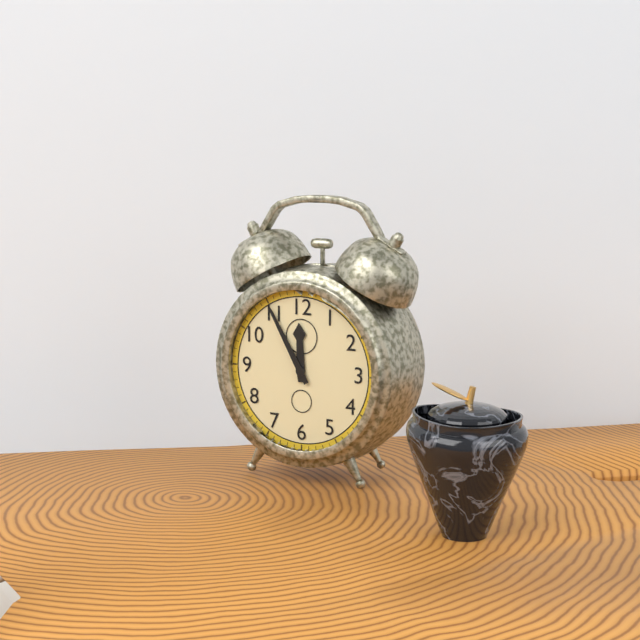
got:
11:55
